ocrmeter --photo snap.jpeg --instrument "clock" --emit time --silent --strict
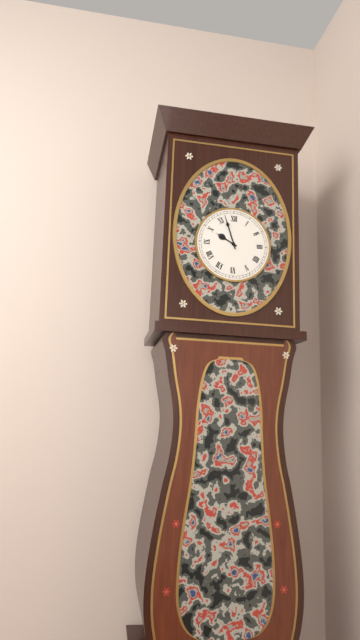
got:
9:57
